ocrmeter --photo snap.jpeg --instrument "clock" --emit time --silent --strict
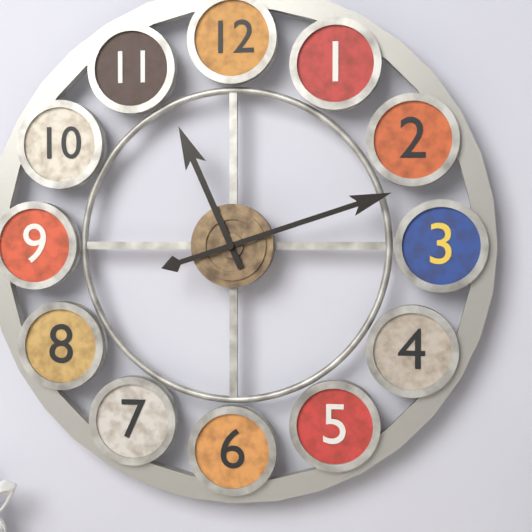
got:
11:12
